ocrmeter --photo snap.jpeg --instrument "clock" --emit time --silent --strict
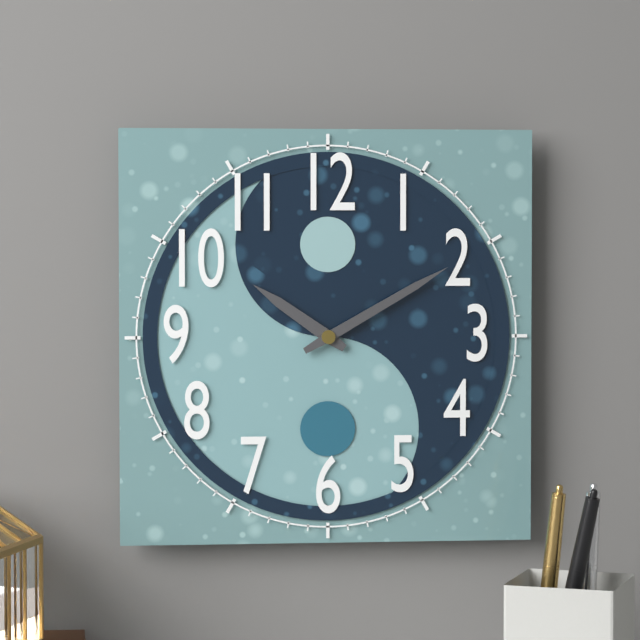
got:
10:10
